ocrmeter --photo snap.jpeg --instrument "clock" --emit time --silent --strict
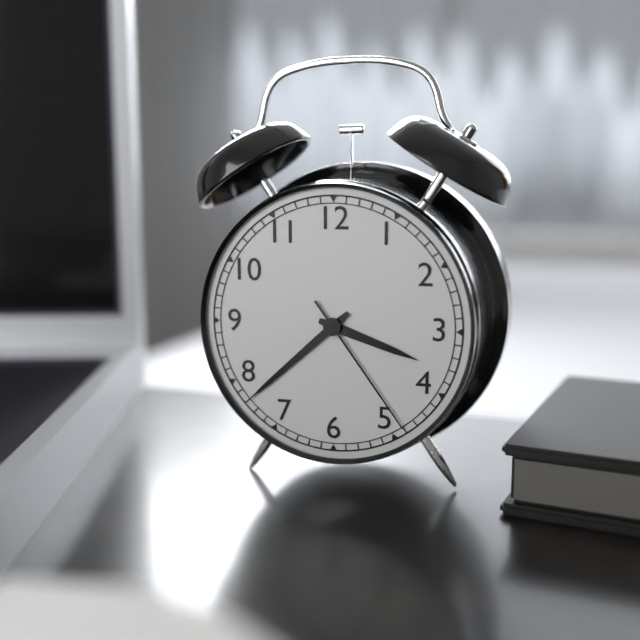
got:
3:38:24
